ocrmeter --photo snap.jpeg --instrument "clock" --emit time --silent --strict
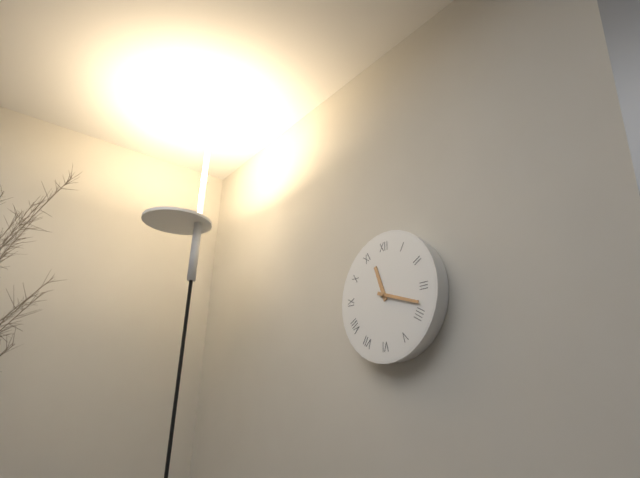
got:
11:18
